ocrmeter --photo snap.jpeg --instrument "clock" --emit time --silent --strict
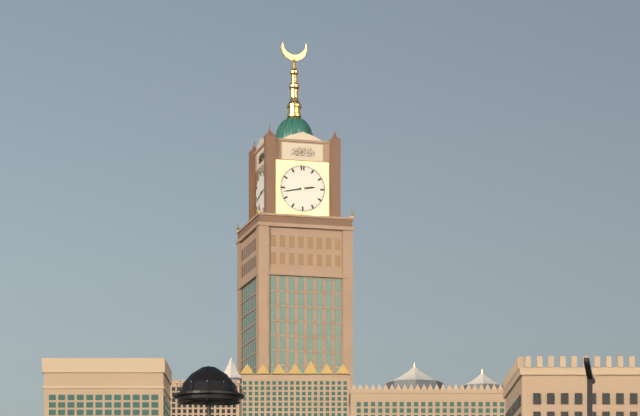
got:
2:43
